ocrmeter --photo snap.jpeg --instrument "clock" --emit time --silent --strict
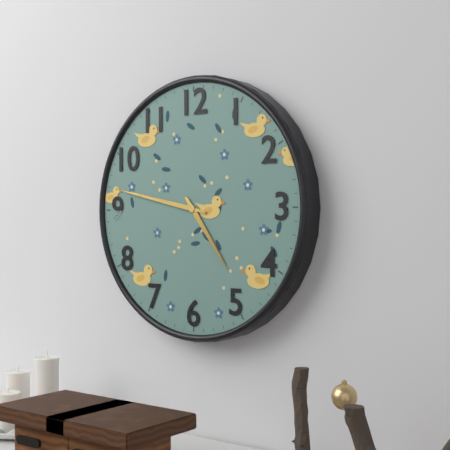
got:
4:47
